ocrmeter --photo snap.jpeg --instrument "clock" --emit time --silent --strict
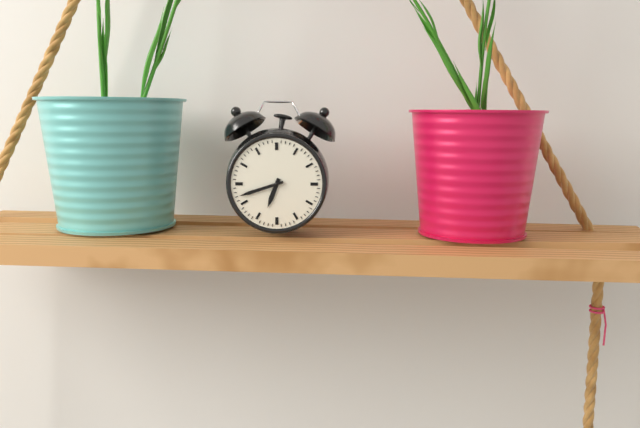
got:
6:42
